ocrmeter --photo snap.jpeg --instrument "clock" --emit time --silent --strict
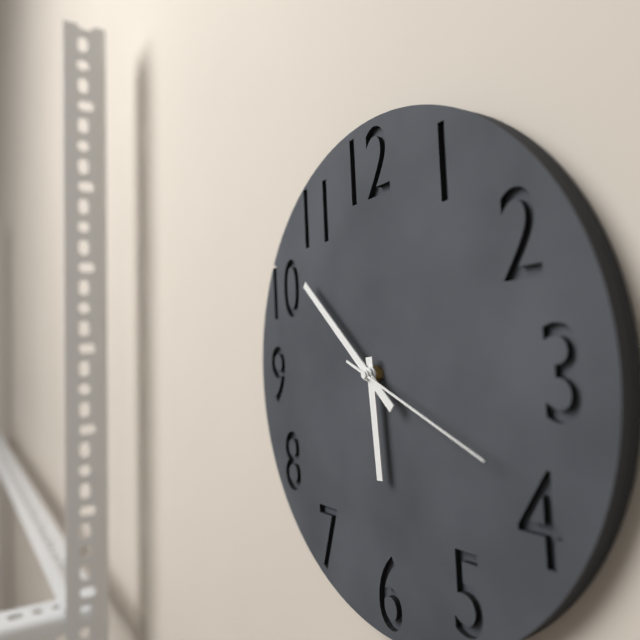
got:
5:52:19
